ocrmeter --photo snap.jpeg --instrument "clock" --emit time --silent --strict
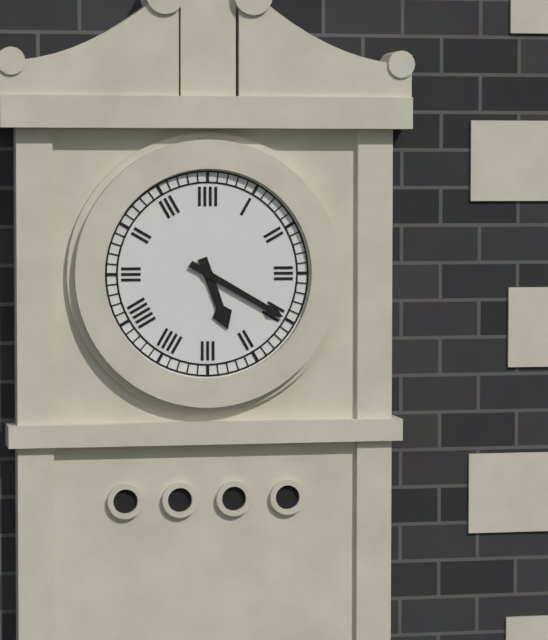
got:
5:20
